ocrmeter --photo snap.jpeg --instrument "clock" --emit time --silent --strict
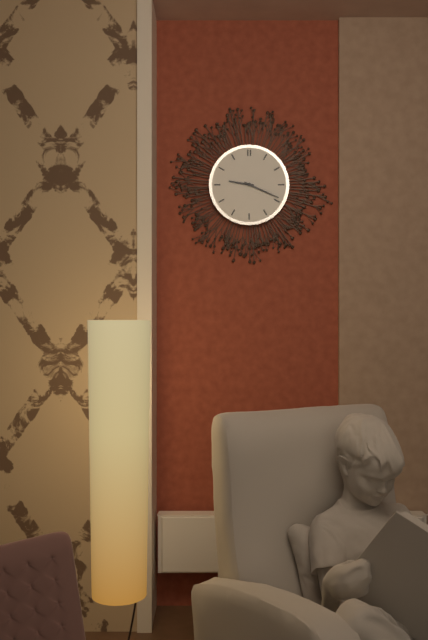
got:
9:19
